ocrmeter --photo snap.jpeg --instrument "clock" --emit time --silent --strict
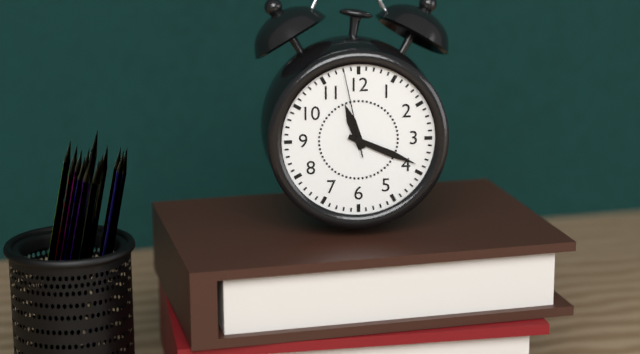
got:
11:19:58
